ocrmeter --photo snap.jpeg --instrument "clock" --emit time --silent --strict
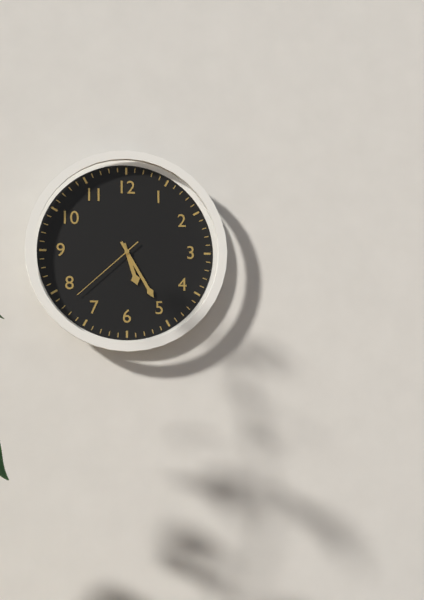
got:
5:25:38
